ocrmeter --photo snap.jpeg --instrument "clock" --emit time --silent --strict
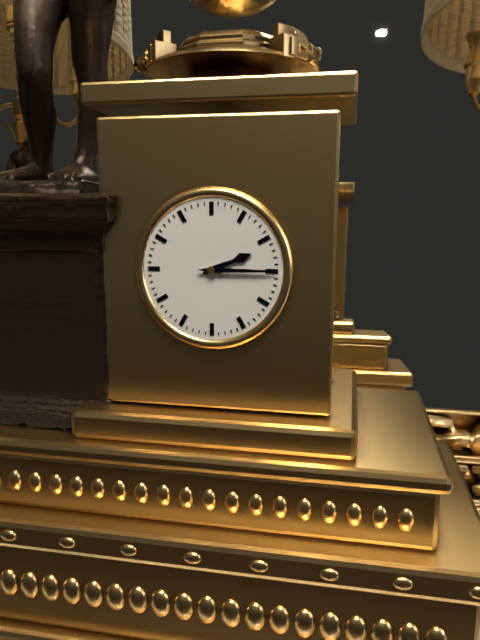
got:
2:15
